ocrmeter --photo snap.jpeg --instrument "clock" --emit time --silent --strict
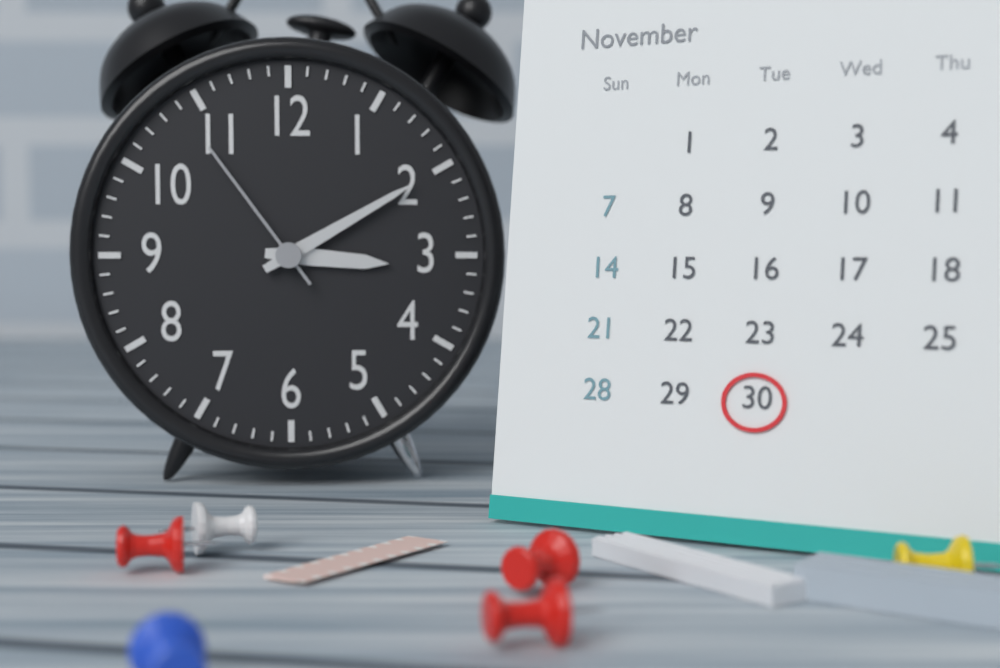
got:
3:10:54
